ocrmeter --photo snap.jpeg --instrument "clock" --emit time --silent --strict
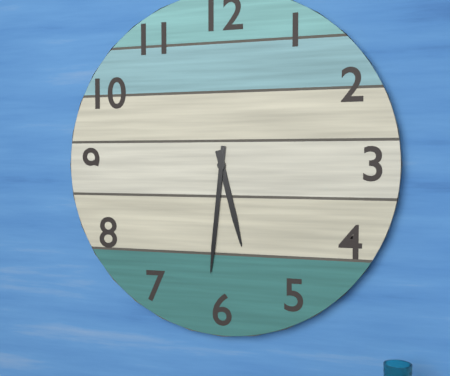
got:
5:31
